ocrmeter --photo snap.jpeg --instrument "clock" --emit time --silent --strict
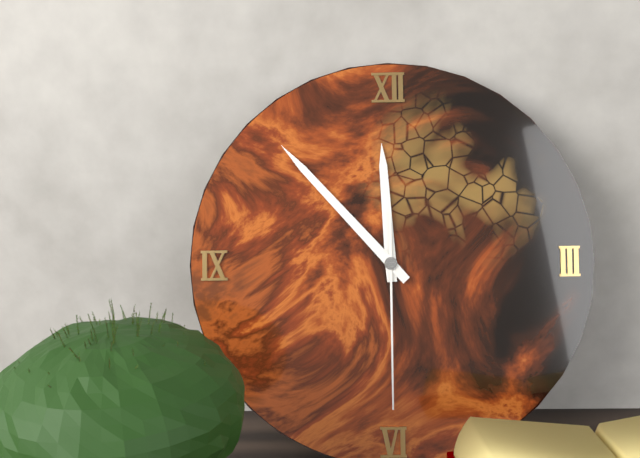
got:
11:53:30
